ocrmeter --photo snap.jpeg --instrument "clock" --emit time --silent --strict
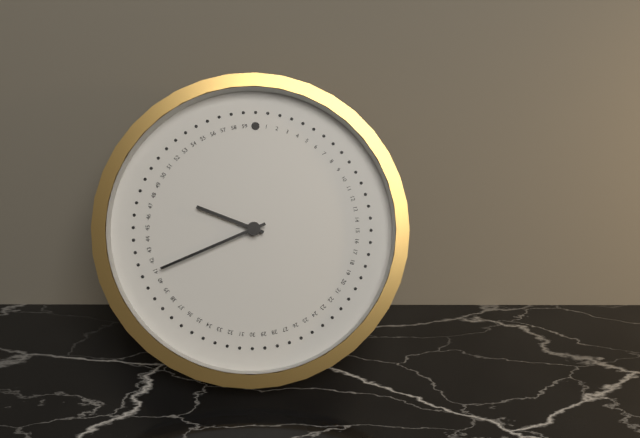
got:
9:41
